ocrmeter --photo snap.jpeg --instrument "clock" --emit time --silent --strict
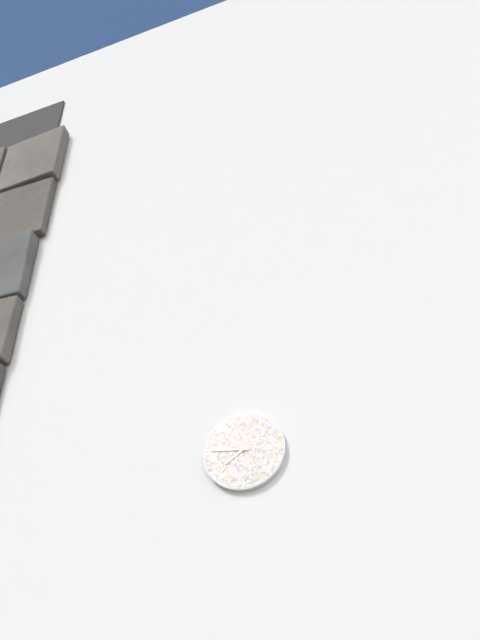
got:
7:46
